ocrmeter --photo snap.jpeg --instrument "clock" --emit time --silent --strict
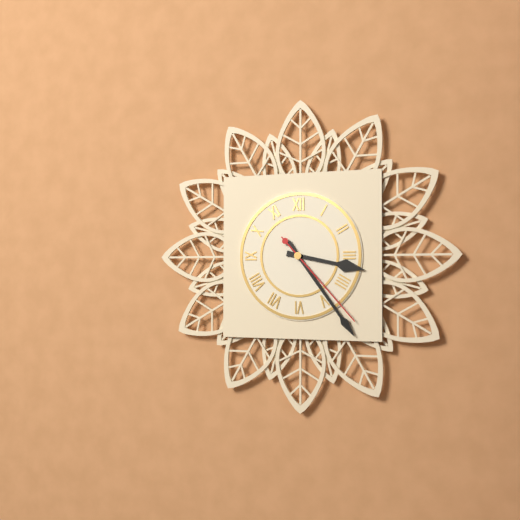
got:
3:24:23
